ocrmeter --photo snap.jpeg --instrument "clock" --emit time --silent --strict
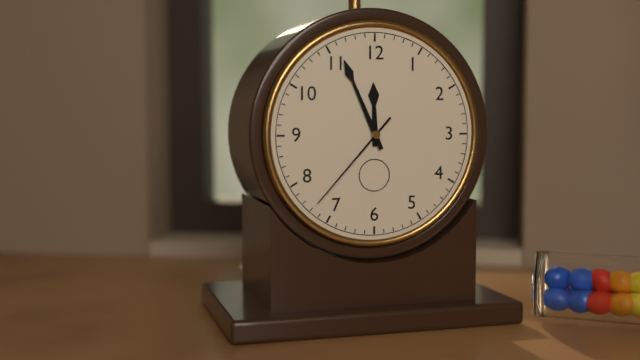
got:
11:56:37
